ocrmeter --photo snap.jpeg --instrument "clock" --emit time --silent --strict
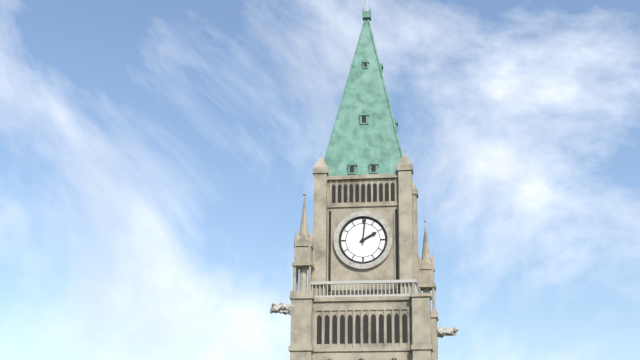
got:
2:01
